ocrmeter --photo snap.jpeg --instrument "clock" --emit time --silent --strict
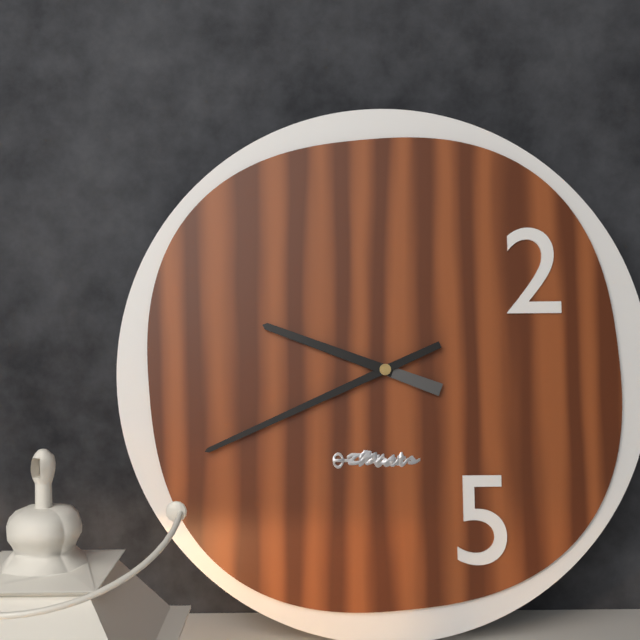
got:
9:41
